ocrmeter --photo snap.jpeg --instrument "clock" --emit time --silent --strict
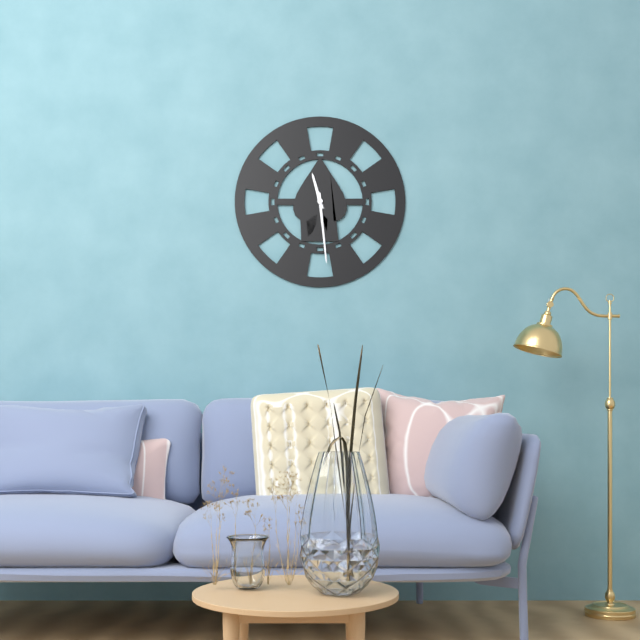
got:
11:29
